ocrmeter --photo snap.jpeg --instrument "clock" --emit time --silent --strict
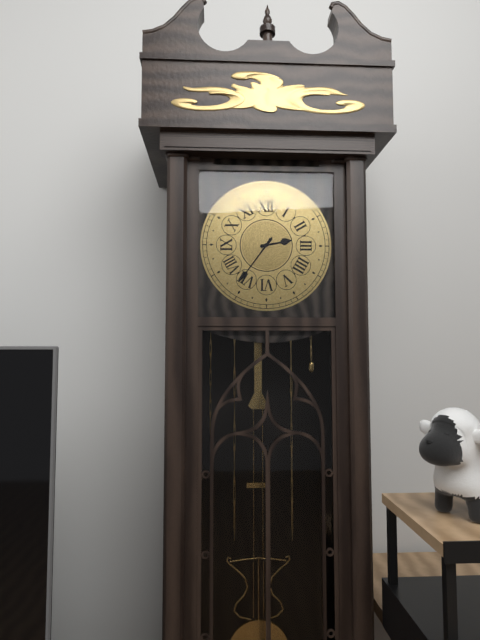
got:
2:36
